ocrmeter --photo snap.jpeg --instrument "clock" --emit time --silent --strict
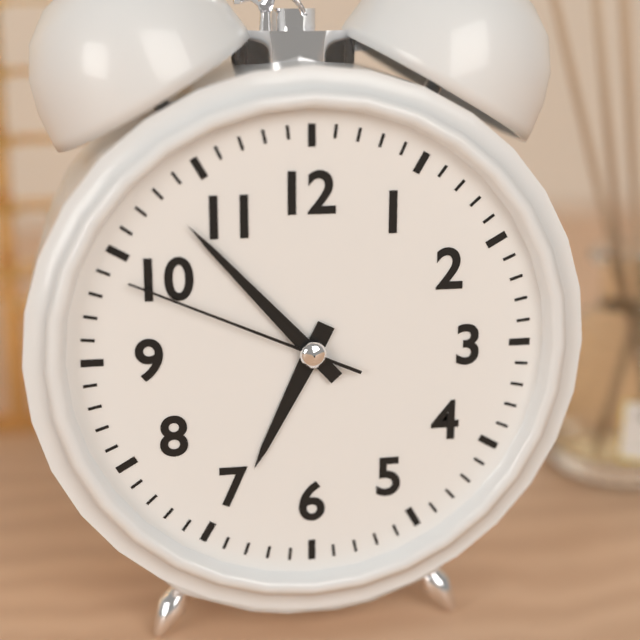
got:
6:53:49
